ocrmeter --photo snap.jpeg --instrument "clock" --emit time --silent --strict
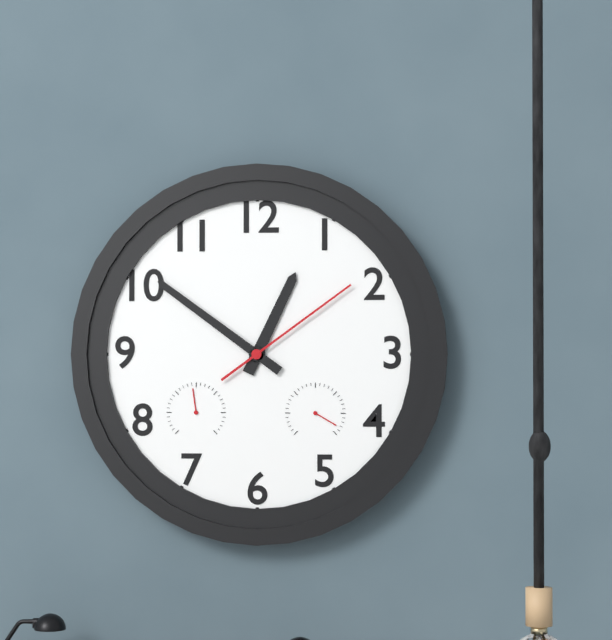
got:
12:51:09
